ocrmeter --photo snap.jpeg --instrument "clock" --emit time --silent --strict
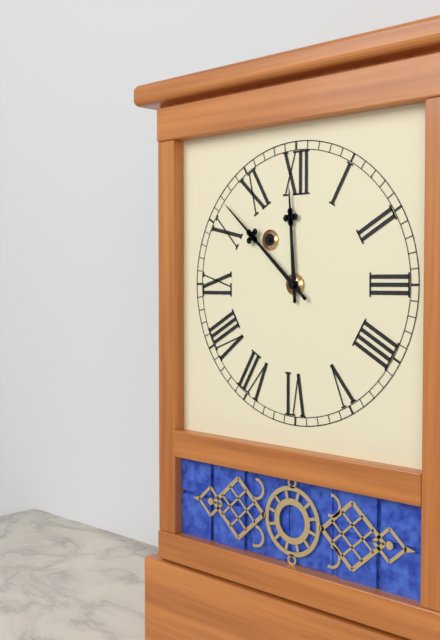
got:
11:52
